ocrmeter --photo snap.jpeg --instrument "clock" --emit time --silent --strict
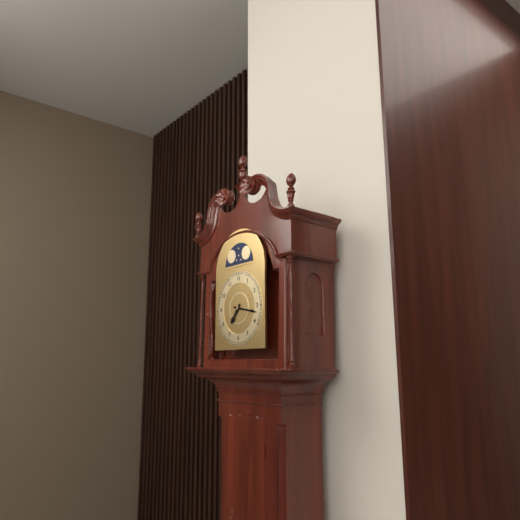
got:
7:17
